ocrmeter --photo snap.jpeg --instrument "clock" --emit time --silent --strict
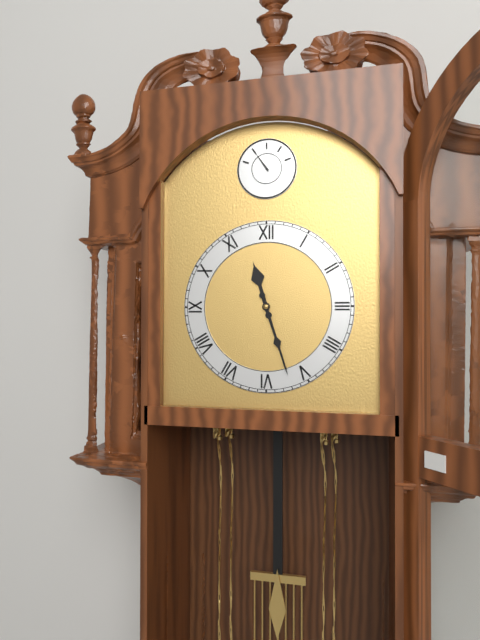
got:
11:27
